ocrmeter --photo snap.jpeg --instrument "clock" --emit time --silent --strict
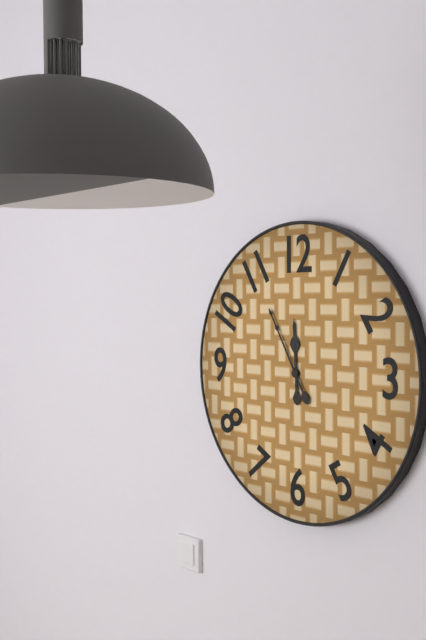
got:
11:55
